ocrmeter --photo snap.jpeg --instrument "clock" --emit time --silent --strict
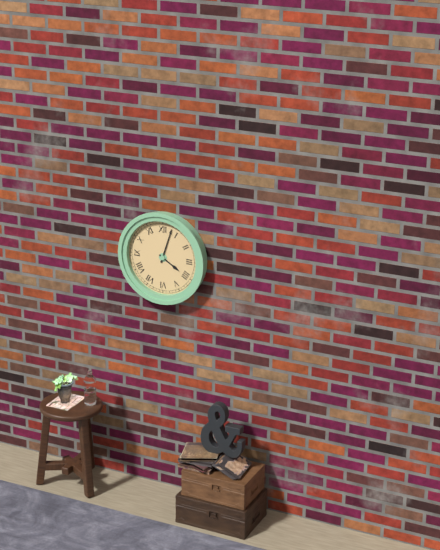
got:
4:03
